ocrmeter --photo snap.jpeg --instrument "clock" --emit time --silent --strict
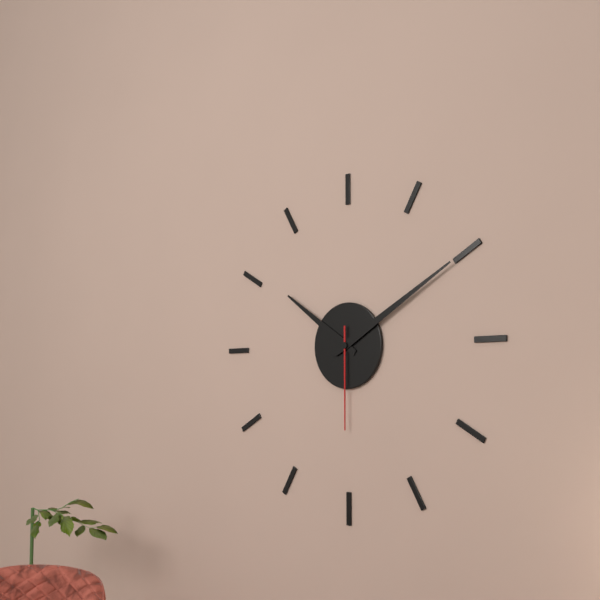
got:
10:10:30
